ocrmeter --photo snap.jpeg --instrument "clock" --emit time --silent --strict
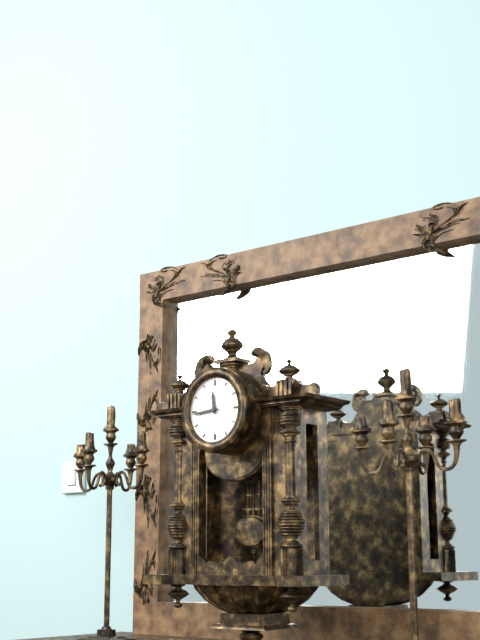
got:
11:44
